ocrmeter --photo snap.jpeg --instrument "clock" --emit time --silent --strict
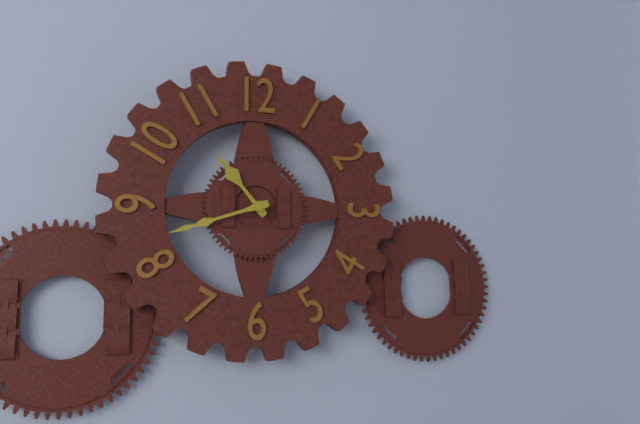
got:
10:42
